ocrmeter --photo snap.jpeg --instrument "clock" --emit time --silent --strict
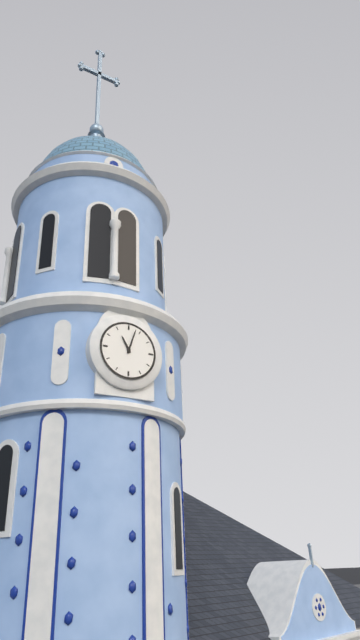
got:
11:03
